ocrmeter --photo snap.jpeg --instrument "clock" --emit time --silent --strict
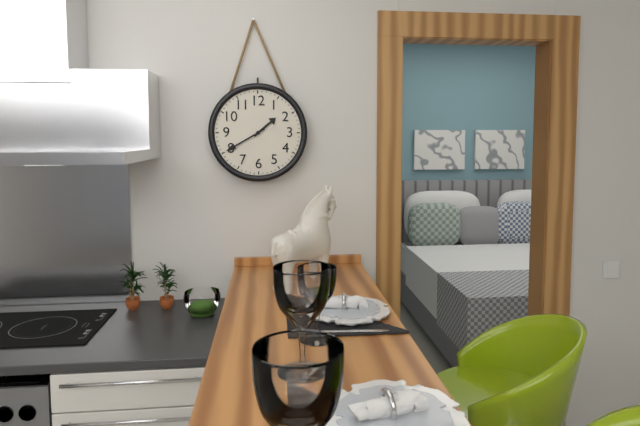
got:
1:40
